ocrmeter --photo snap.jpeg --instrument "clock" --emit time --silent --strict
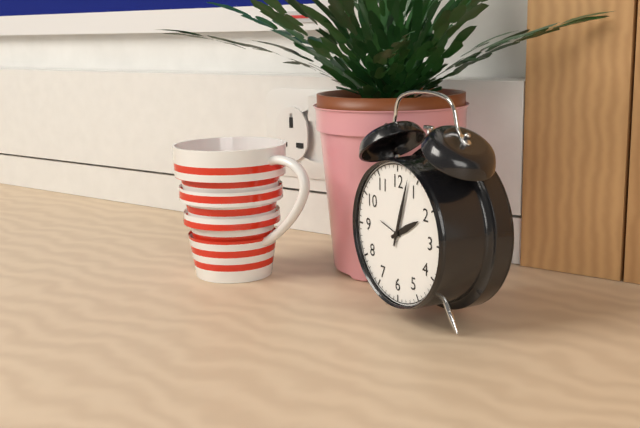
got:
2:03
